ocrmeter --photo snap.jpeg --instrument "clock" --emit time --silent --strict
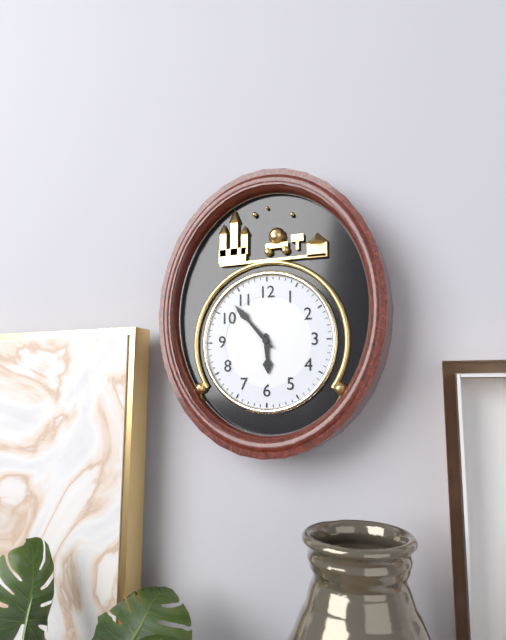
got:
5:53
